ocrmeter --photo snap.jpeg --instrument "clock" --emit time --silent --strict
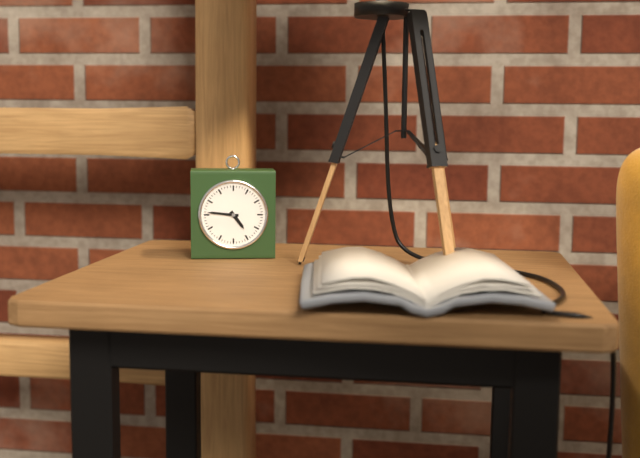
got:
4:46
